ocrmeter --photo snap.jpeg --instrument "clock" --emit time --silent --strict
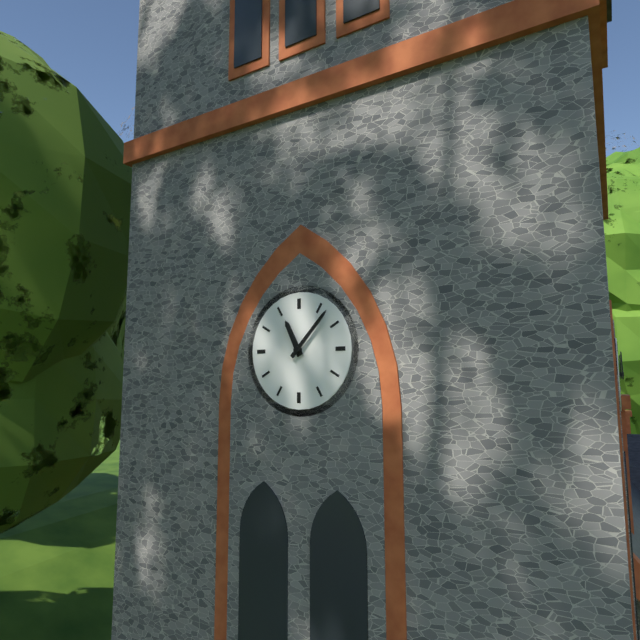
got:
11:07
